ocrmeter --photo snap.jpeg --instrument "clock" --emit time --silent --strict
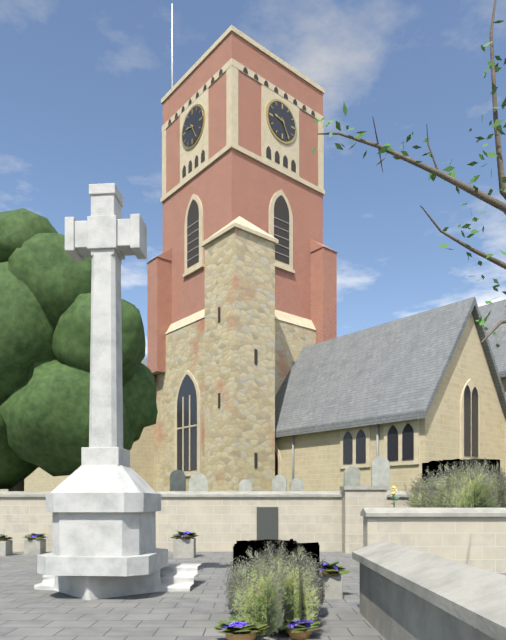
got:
9:25
